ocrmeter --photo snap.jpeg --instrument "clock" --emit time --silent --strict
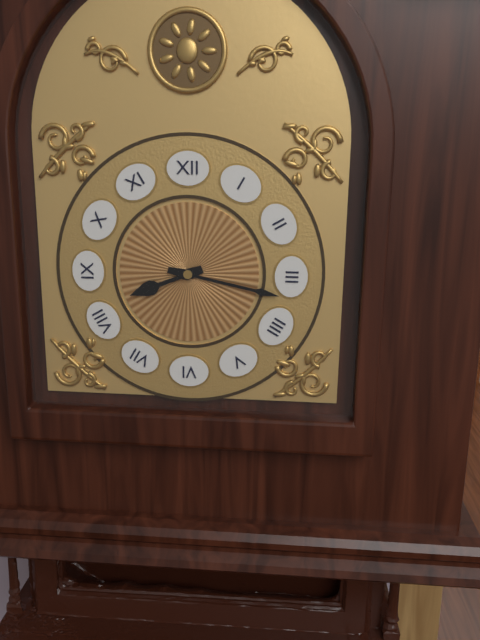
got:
8:17
